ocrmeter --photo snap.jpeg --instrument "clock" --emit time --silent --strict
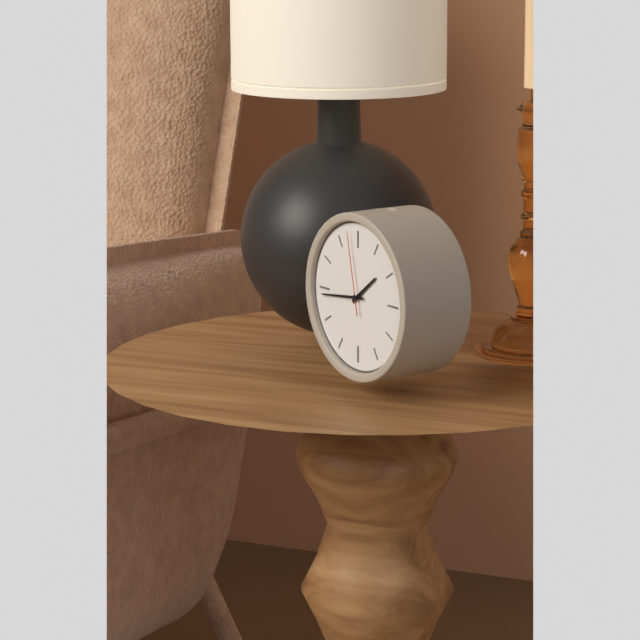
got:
1:44:58
